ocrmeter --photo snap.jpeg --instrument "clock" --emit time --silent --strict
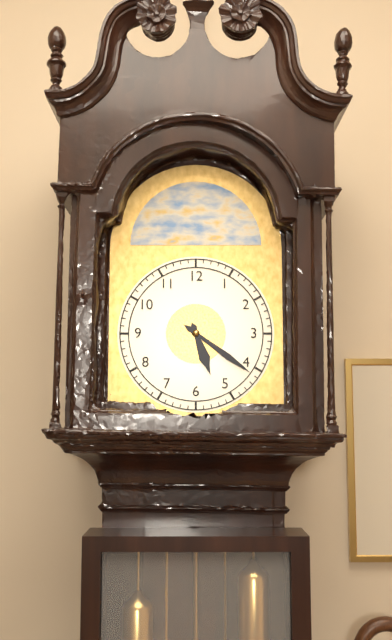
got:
5:21
